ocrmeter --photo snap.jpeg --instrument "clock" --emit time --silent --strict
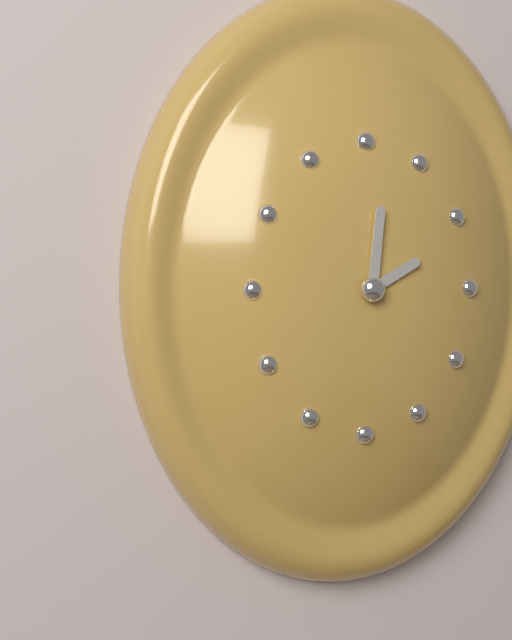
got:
2:01
